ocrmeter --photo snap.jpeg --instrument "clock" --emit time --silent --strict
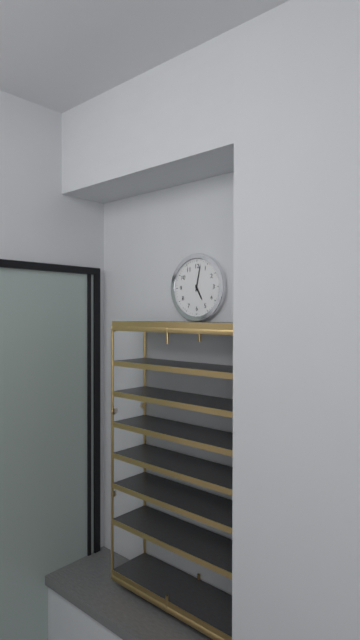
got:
5:02
